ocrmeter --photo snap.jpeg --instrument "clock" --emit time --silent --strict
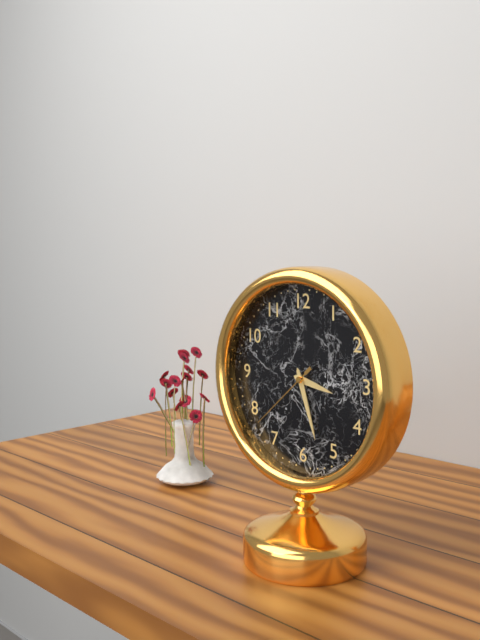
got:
3:27:38
